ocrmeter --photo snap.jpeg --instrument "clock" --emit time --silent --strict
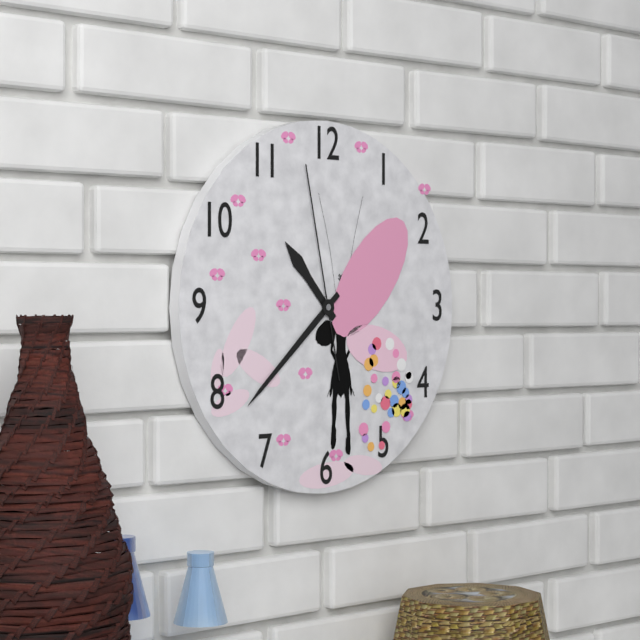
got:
10:38:58
